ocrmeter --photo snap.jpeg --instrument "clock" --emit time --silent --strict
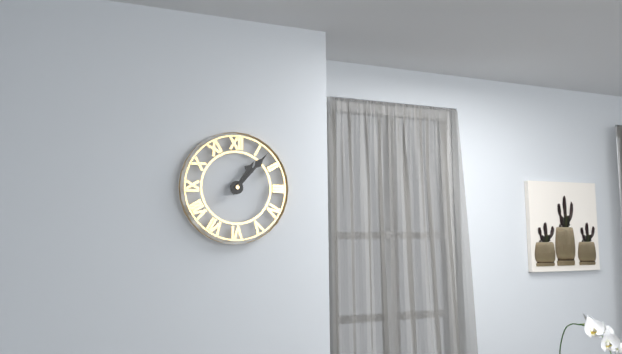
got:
1:07
